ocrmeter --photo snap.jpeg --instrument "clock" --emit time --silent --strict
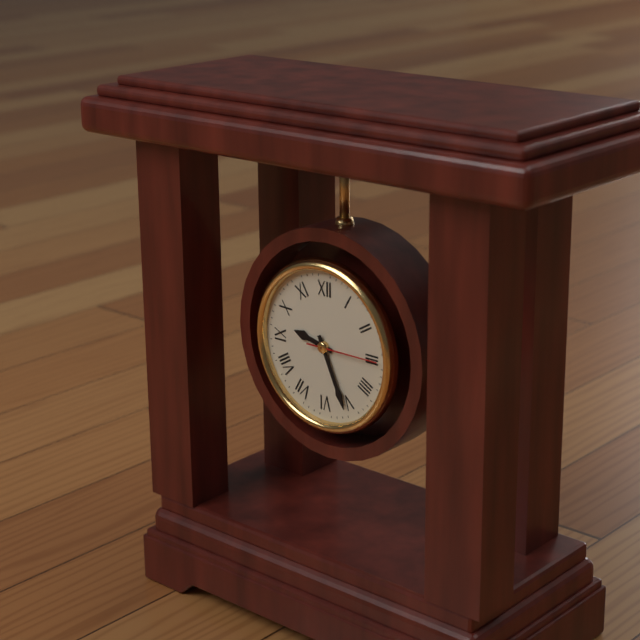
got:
9:26
